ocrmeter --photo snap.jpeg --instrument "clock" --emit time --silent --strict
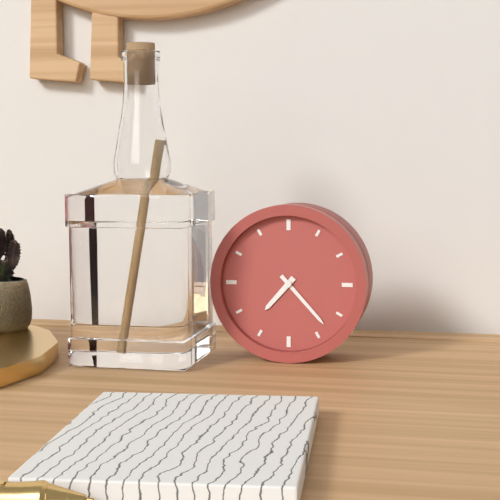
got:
7:23
